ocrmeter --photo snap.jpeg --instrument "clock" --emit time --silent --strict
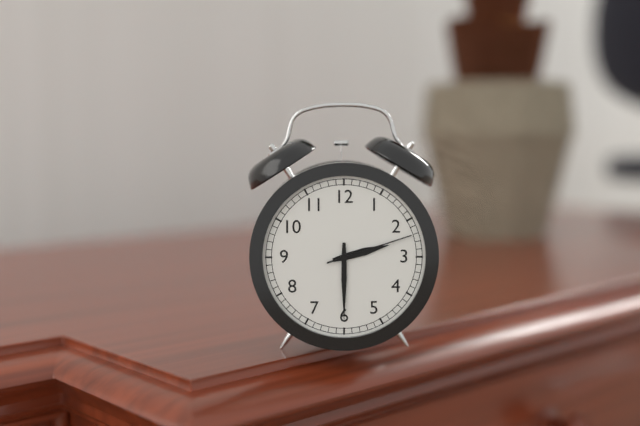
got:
2:30:12
